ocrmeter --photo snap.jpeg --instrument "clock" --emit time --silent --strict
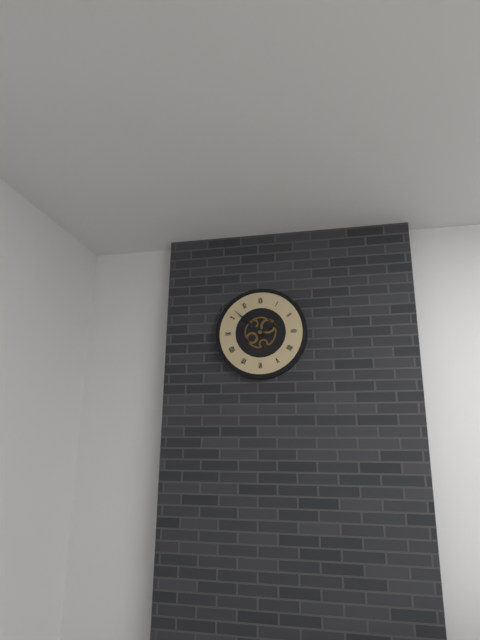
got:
1:52
